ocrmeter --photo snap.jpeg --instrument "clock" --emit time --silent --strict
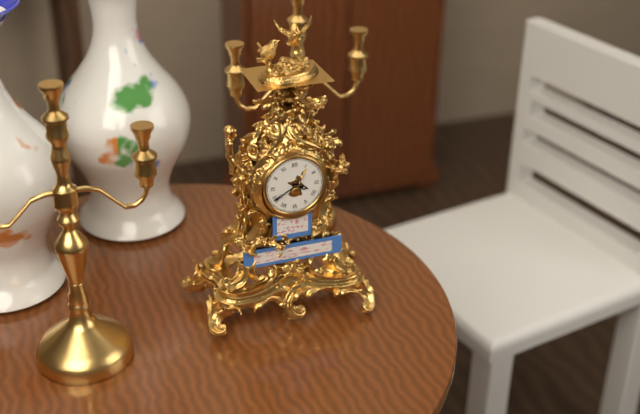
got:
3:40
